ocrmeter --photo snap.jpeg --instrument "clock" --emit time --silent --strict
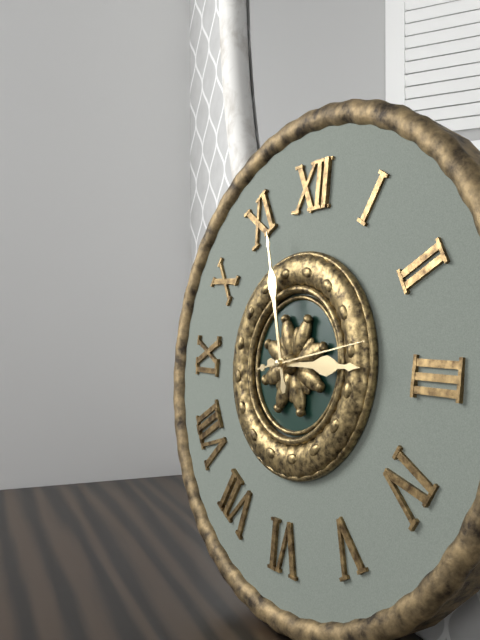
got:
2:57:13
